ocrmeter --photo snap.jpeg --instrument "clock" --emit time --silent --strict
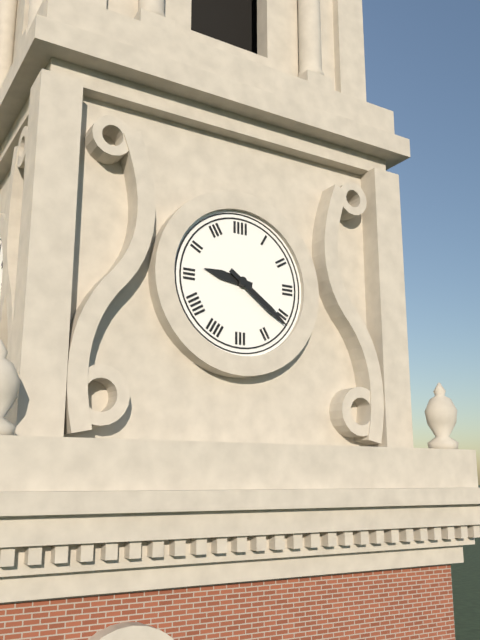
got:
9:21
